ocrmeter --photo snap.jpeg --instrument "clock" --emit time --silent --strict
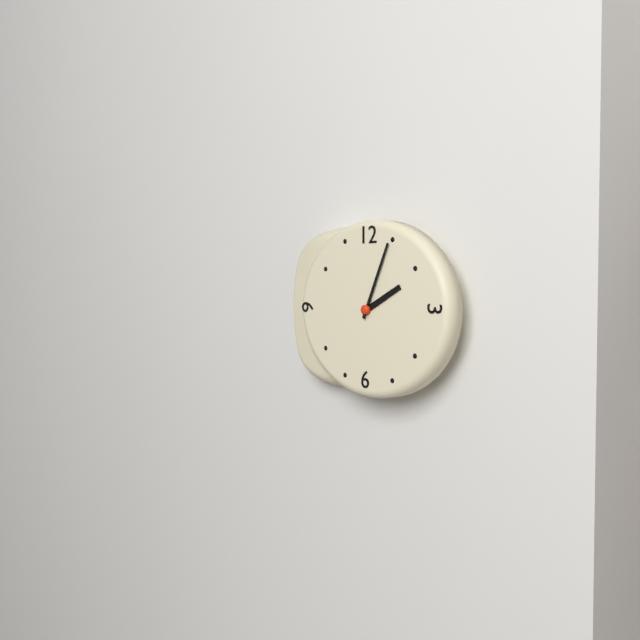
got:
2:04
